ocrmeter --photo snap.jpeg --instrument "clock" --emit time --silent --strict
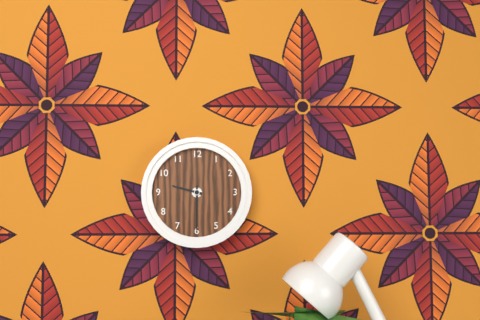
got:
9:30
